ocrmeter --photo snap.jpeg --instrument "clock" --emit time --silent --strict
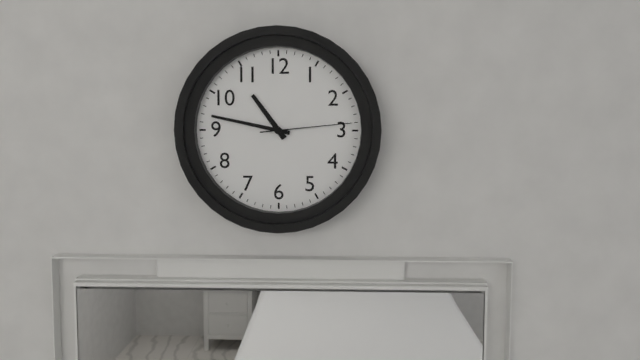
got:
10:47:14
